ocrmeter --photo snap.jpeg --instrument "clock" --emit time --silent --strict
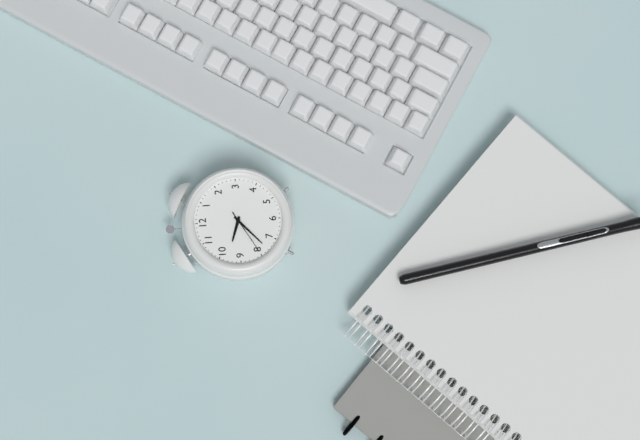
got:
9:38
